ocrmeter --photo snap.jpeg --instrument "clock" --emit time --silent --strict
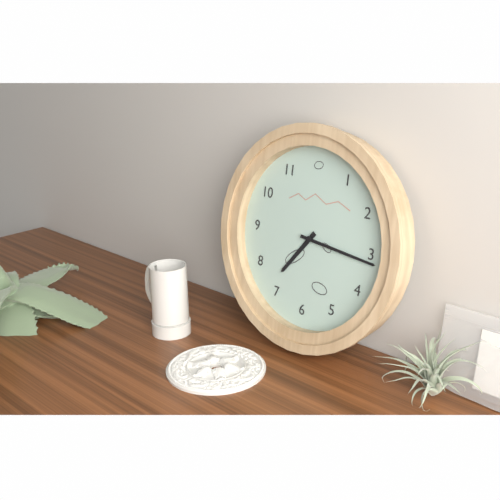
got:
7:16
